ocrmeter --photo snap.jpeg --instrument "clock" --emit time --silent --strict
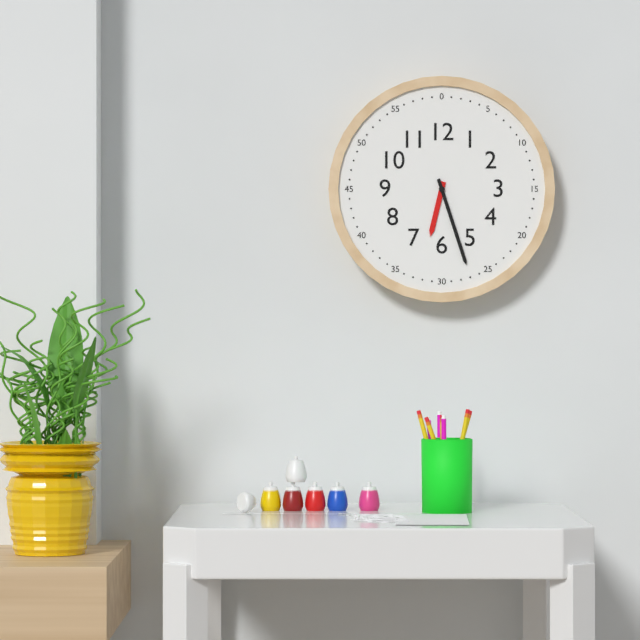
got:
6:27
